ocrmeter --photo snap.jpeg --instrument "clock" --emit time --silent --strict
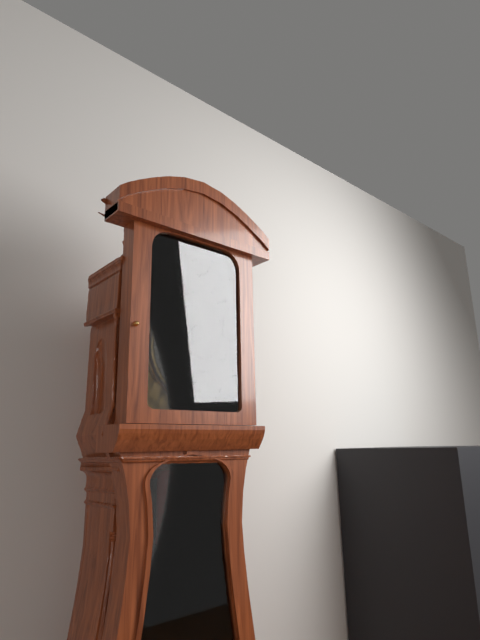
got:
9:40
